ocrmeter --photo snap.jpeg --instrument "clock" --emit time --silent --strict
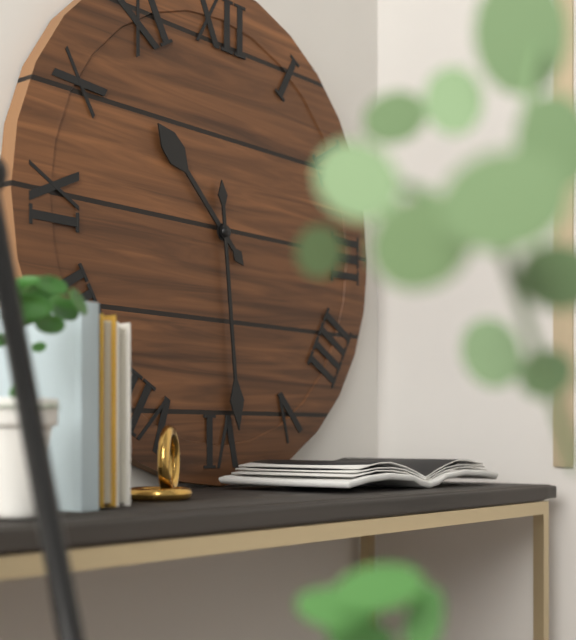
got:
10:29
